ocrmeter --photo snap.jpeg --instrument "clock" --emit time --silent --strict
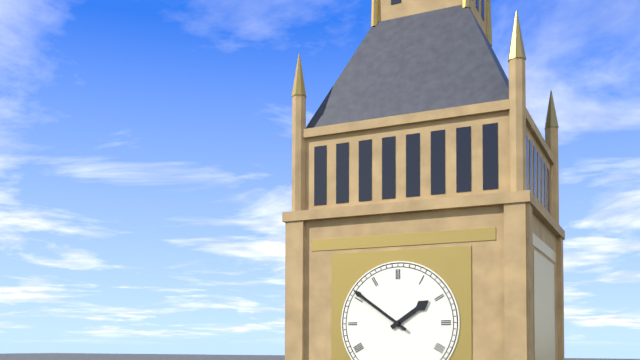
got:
1:51
